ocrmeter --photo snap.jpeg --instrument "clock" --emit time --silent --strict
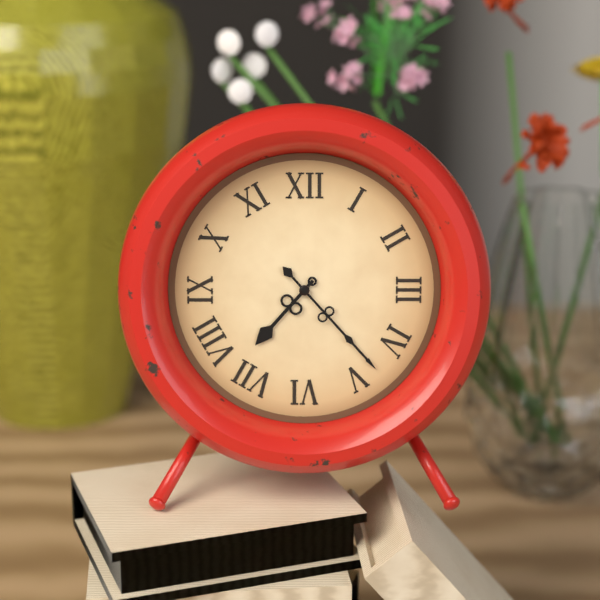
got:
7:23
